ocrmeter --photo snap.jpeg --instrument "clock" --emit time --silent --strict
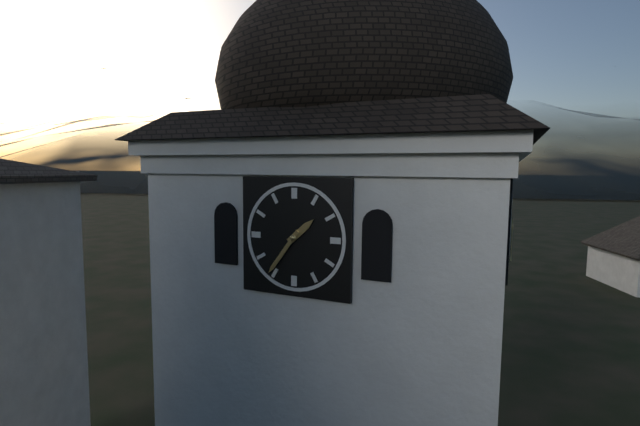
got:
1:36
